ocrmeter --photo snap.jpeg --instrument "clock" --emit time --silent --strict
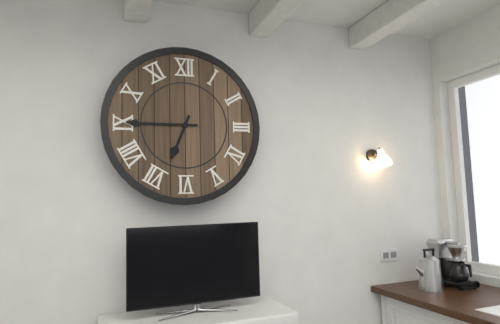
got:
6:45
